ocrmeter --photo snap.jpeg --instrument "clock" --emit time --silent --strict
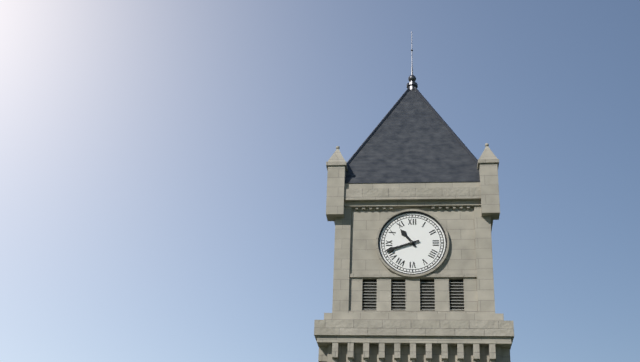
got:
10:42
